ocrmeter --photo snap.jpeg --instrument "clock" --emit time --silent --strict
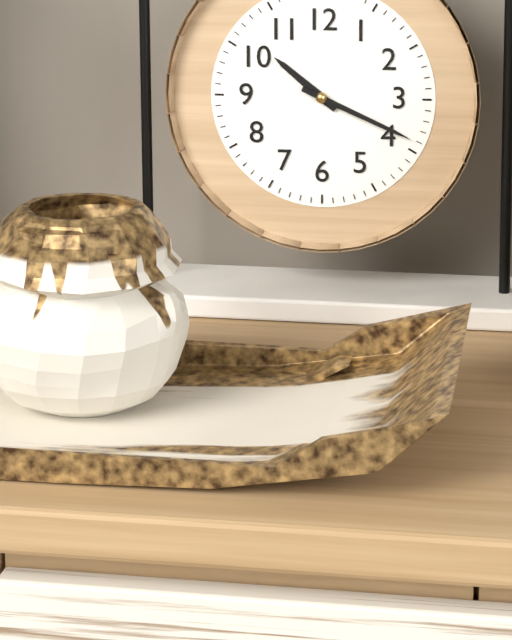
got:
10:19
